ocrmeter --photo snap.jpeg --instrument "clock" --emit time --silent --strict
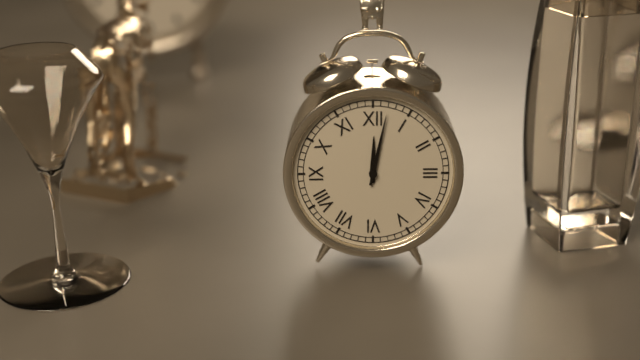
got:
12:02
